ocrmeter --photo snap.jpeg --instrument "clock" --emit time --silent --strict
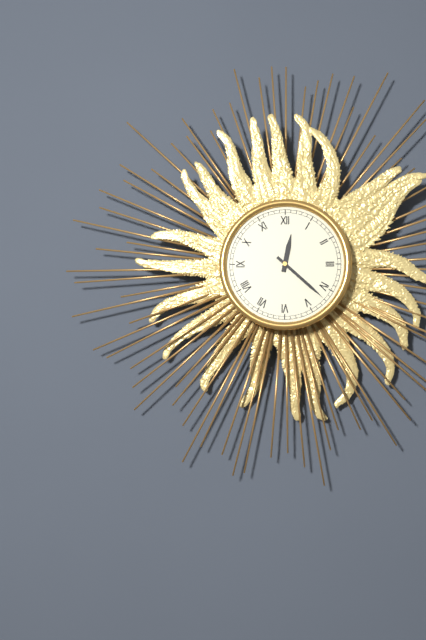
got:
12:22
